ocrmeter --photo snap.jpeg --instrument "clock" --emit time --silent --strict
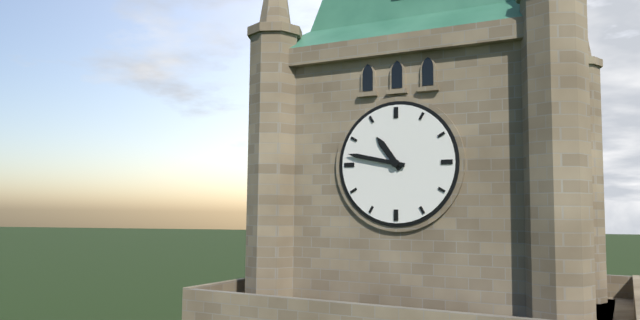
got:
10:47
